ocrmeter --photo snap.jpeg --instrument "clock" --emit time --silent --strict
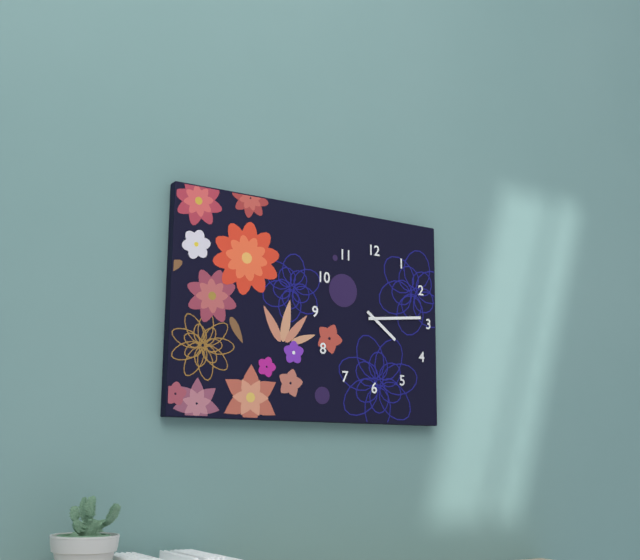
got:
4:14
